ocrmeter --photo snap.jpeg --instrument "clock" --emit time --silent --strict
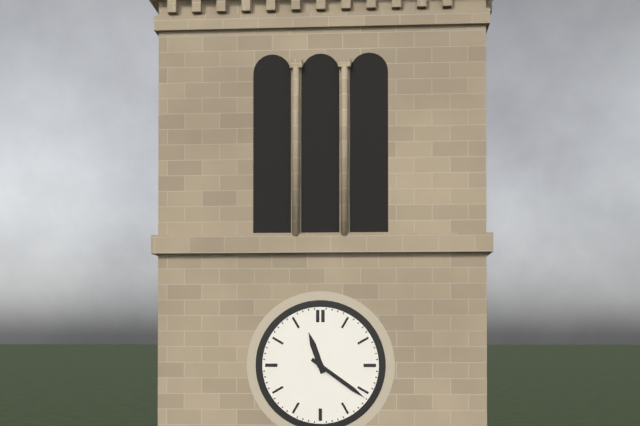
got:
11:21
